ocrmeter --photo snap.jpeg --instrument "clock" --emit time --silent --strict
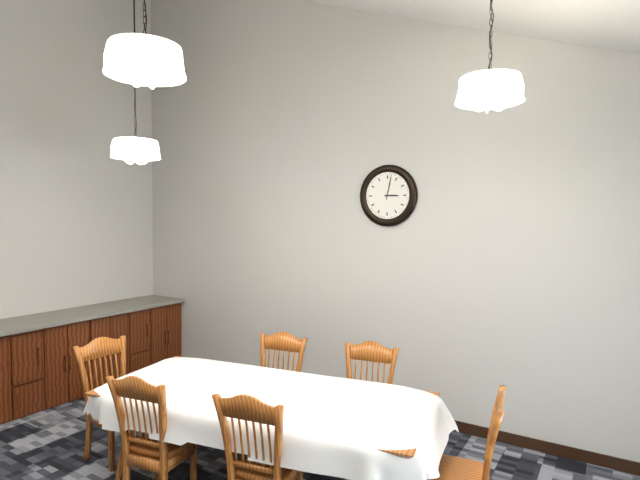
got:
3:02
